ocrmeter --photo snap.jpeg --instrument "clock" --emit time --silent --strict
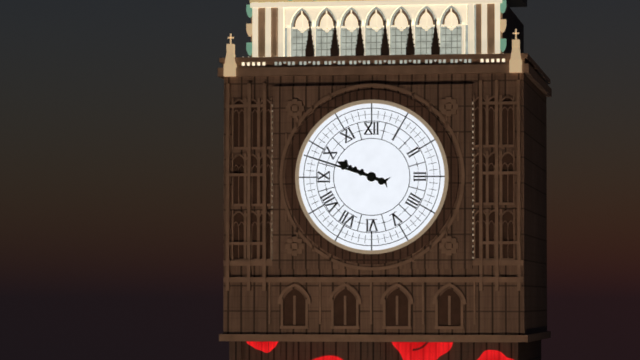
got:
9:48
